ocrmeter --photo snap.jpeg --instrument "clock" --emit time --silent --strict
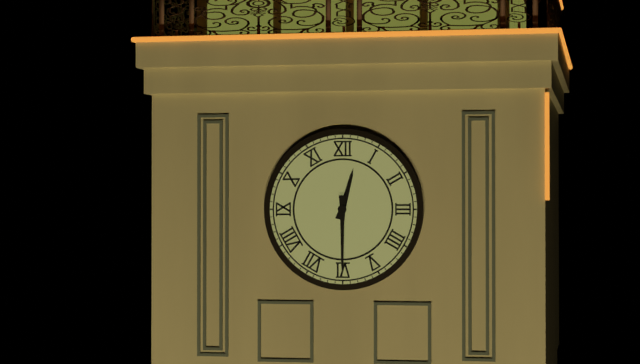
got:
12:30
